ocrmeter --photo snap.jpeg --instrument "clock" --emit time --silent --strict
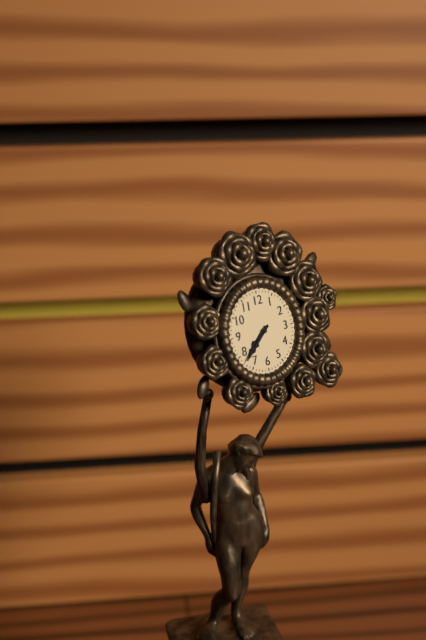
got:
7:38
